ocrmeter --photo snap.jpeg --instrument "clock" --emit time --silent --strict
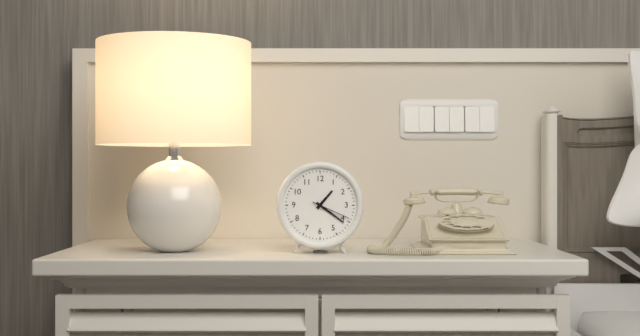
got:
1:21
